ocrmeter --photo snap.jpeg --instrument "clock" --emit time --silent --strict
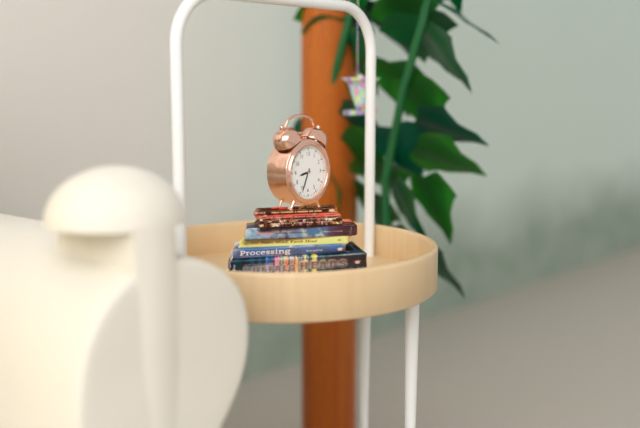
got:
8:34
